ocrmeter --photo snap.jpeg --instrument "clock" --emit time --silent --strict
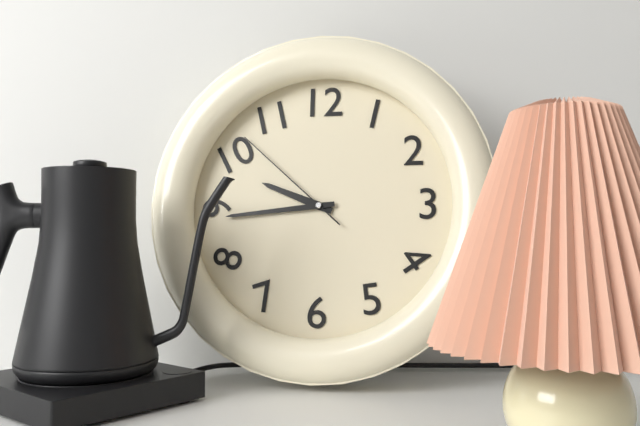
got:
9:44:52
